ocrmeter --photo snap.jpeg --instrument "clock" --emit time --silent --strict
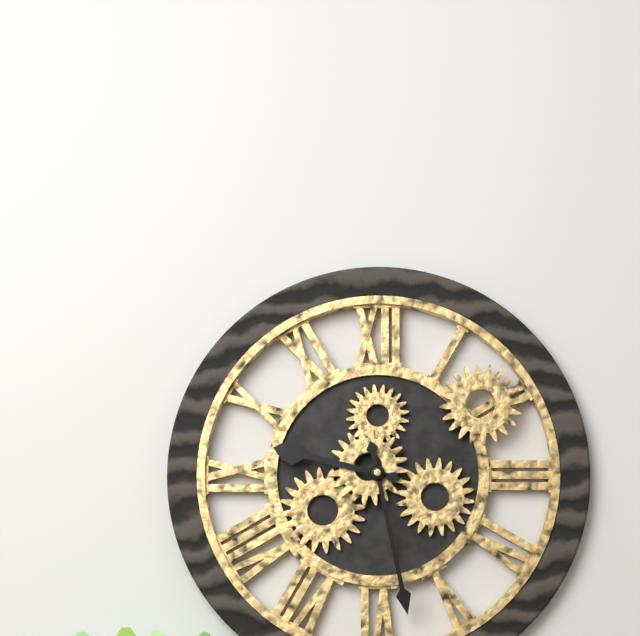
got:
9:28
